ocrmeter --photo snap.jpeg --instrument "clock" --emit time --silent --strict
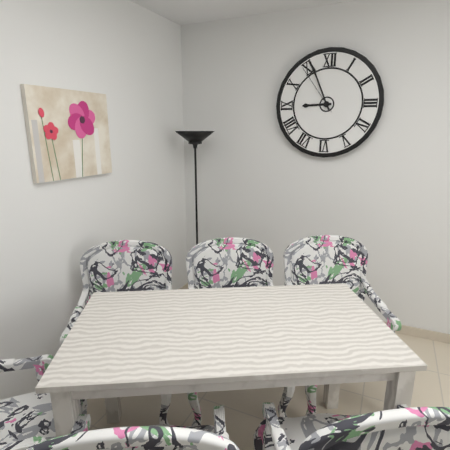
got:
8:56:54
